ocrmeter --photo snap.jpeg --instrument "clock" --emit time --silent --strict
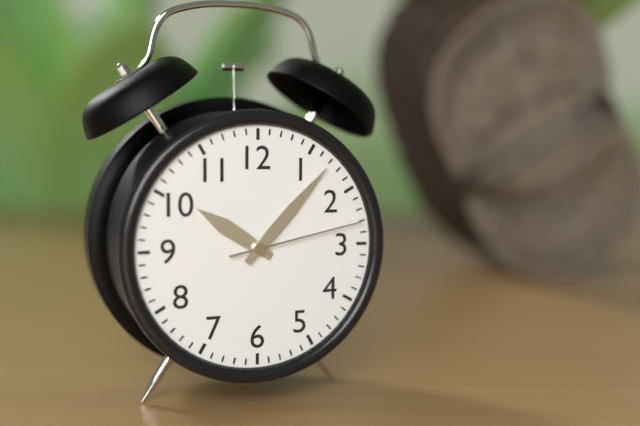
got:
10:07:13
